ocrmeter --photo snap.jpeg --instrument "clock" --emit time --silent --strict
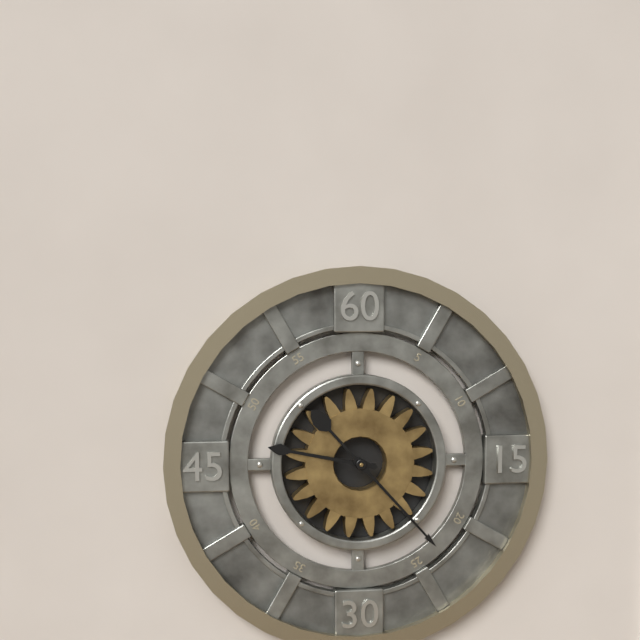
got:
9:23
